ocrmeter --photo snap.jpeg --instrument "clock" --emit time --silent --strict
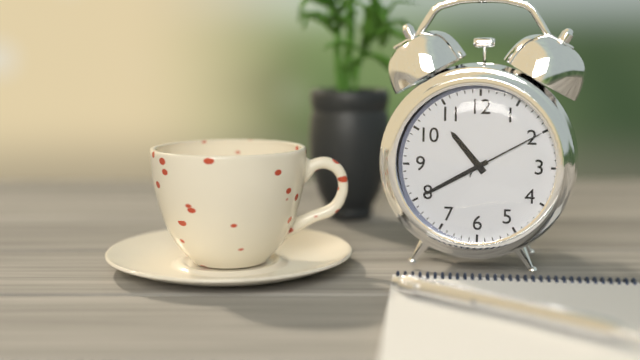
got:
10:40:10
